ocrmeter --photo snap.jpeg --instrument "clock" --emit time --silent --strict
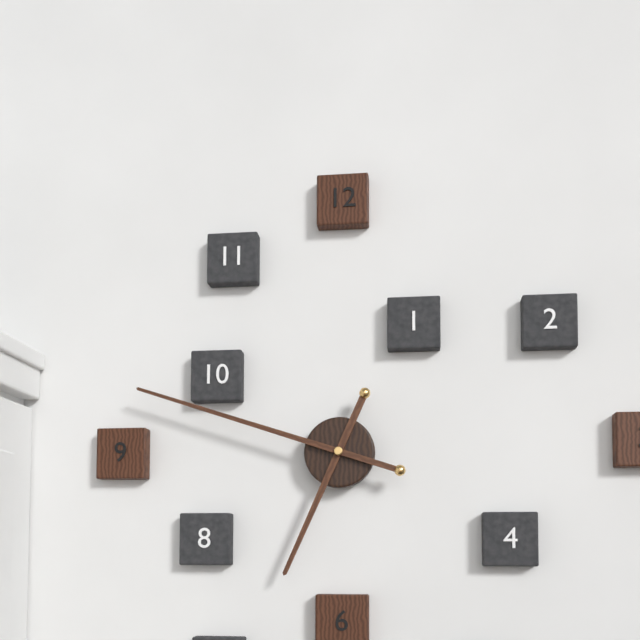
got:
6:48
